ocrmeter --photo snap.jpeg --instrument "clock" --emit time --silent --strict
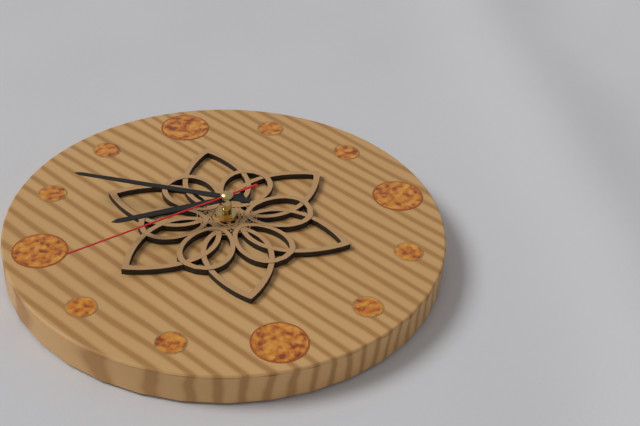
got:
8:50:42
